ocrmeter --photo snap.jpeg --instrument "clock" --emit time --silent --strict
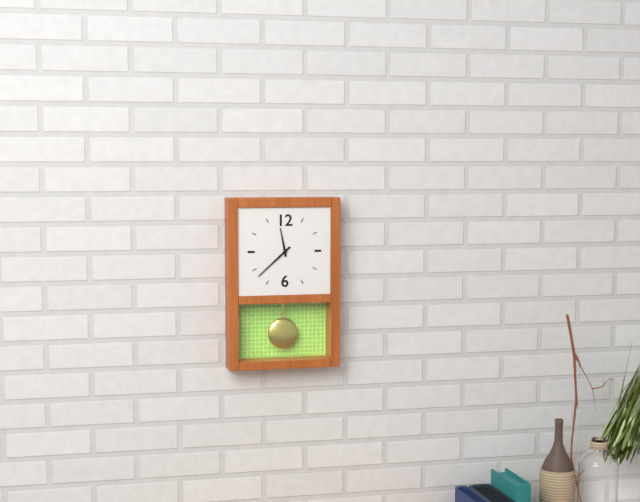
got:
11:38
